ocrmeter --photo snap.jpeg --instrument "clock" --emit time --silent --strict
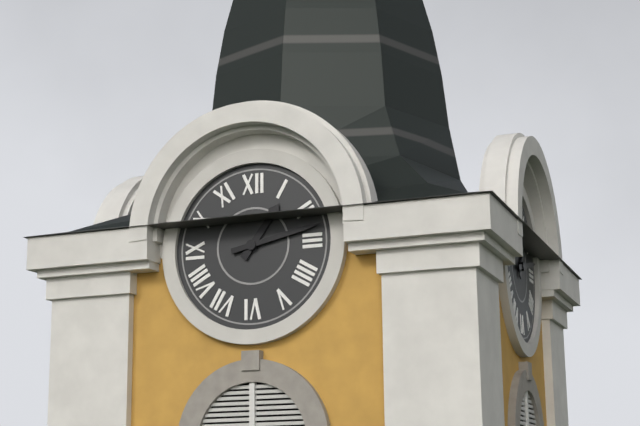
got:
1:13
